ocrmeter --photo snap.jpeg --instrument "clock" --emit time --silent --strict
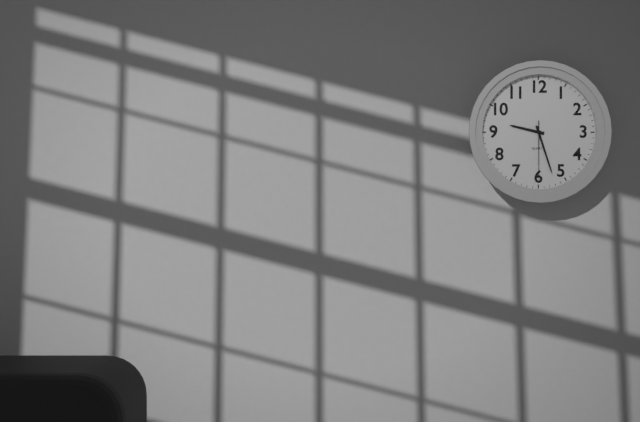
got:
9:27:30
